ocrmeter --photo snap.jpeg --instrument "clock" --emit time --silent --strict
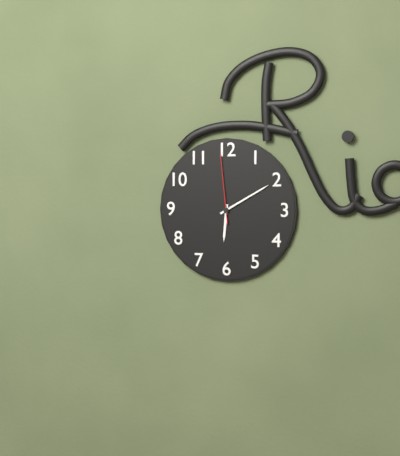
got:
6:10:59
